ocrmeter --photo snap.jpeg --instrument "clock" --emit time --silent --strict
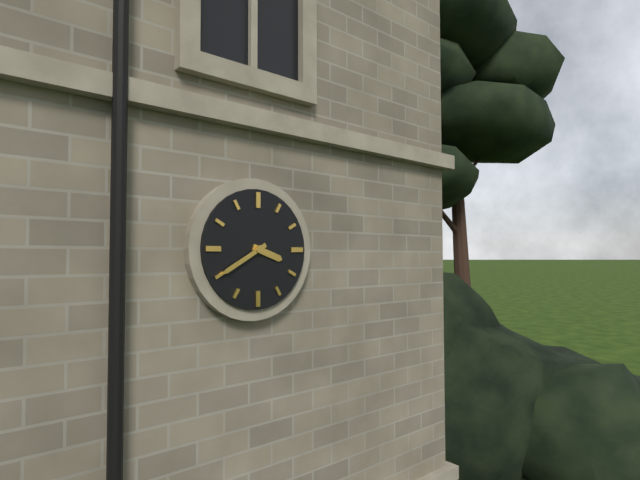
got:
3:40
